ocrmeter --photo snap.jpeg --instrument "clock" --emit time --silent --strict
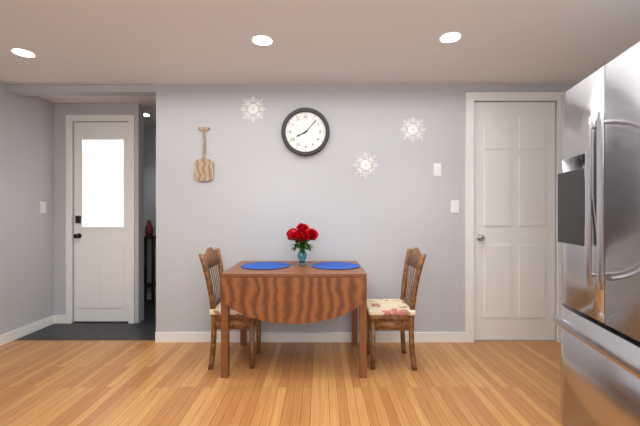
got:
8:07
